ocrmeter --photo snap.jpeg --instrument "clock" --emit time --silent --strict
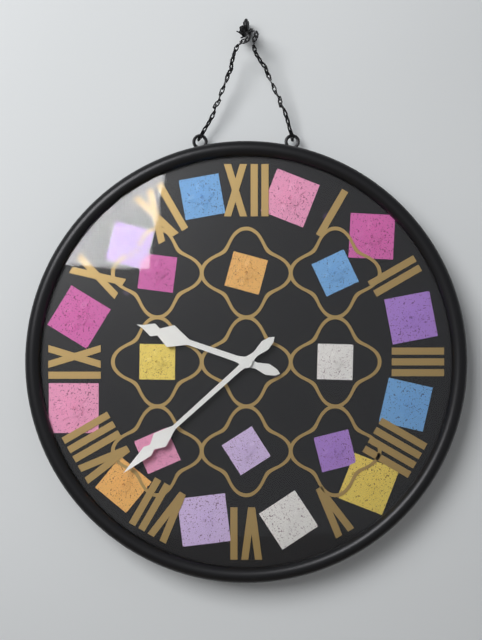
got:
9:38
